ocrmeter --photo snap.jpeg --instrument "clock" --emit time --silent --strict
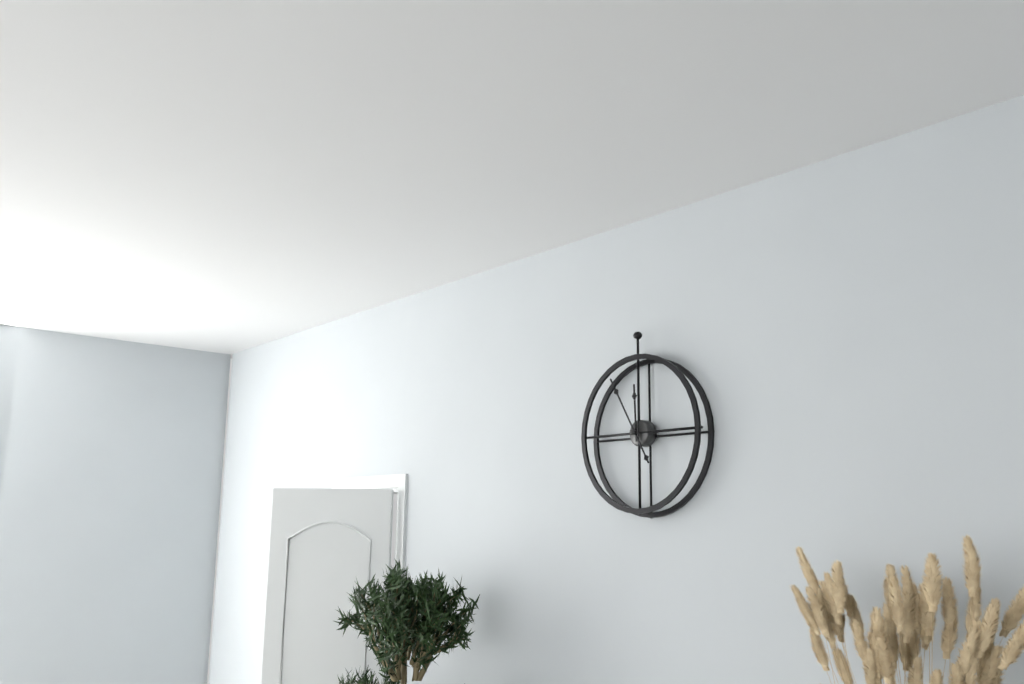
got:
11:55
